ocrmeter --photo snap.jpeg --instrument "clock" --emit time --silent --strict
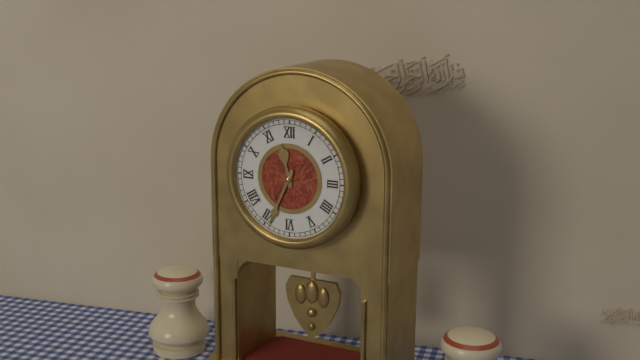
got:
11:34
